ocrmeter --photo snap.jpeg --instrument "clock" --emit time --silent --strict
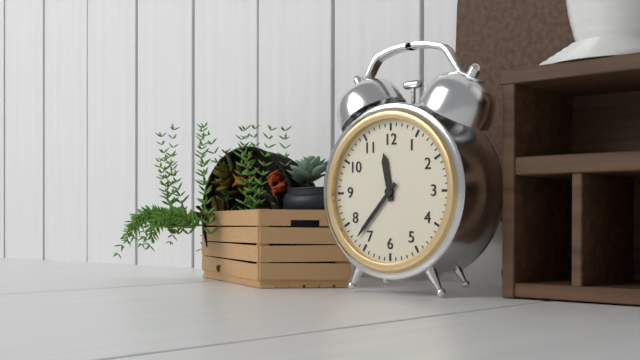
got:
11:37
